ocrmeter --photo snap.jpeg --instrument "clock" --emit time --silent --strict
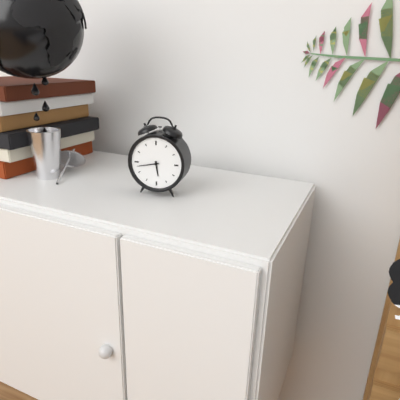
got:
5:43
